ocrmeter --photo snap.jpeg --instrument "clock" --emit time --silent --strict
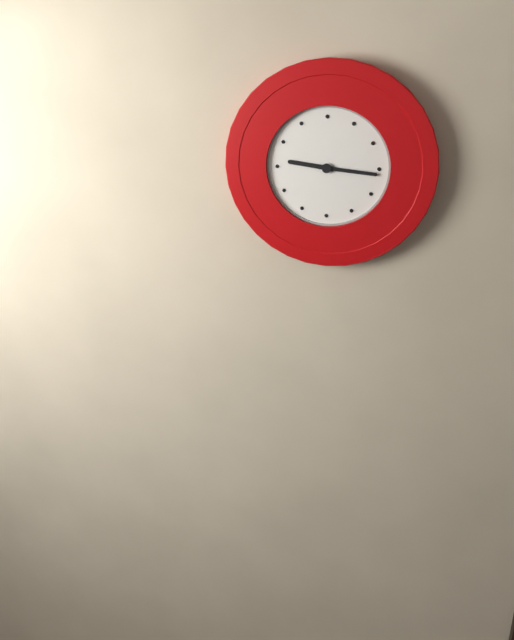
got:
9:16
